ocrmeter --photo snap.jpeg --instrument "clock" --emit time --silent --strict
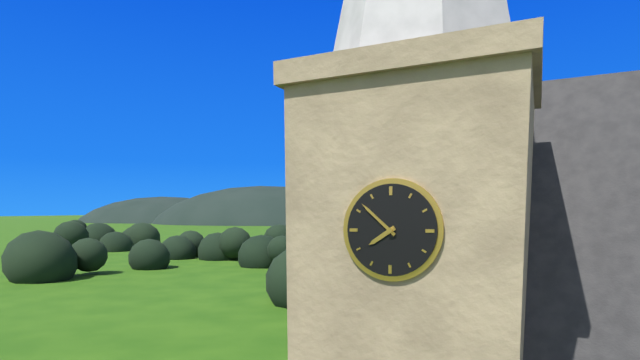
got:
7:52
